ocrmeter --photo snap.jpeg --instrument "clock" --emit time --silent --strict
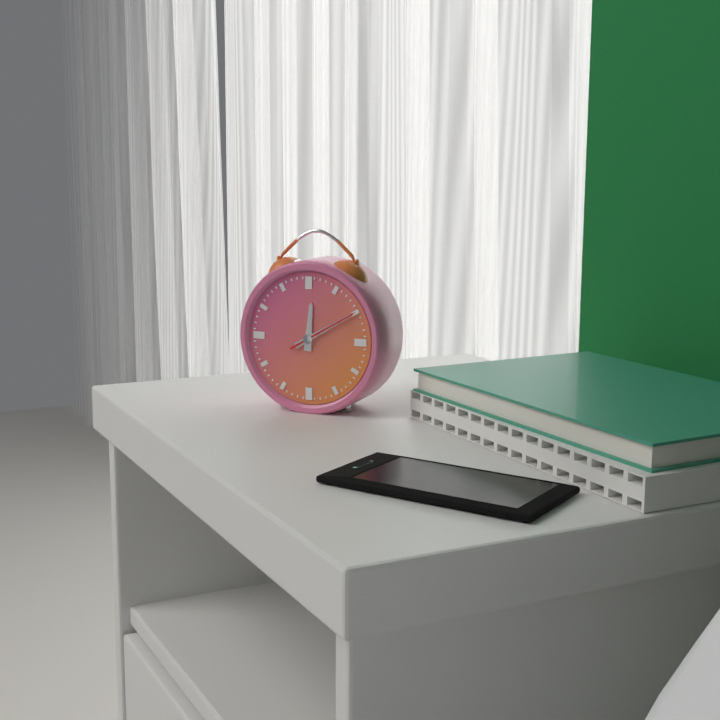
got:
12:10:10
